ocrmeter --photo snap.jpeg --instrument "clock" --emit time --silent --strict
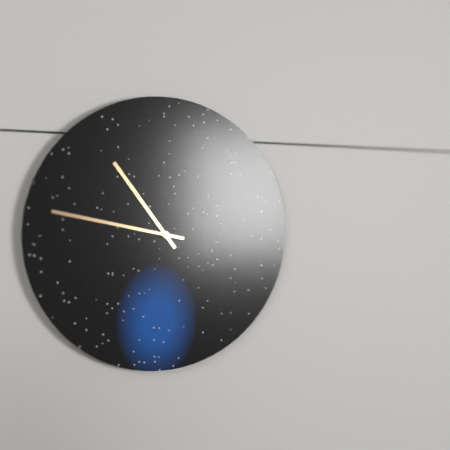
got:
10:47
